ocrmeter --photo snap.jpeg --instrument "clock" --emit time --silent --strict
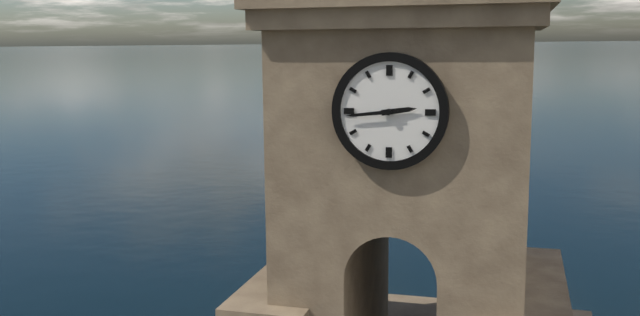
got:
2:44
